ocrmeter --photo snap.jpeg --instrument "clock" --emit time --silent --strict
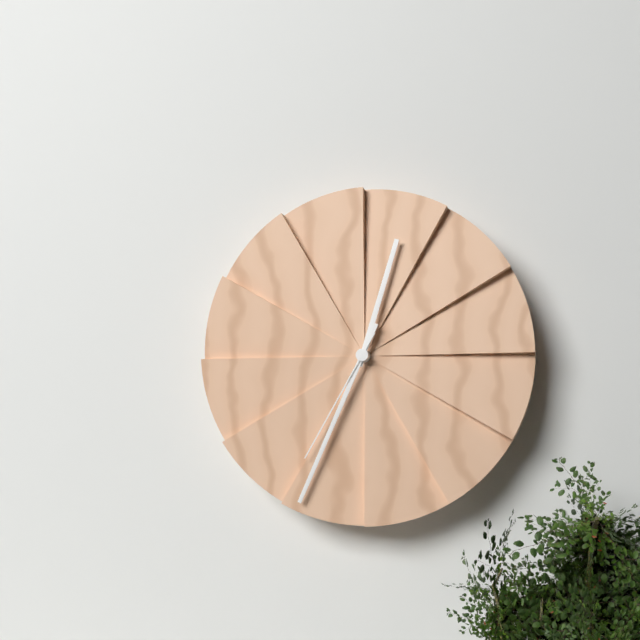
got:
12:34:35
